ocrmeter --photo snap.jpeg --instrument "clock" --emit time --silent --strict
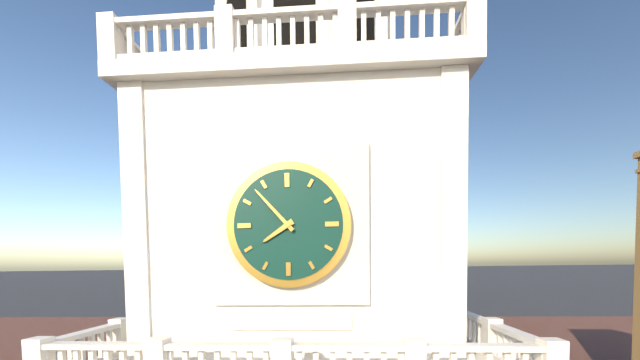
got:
7:53
